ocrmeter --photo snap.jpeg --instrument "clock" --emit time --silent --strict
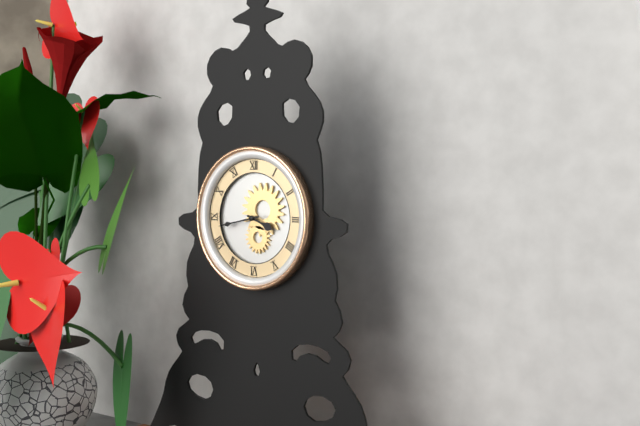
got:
3:43
